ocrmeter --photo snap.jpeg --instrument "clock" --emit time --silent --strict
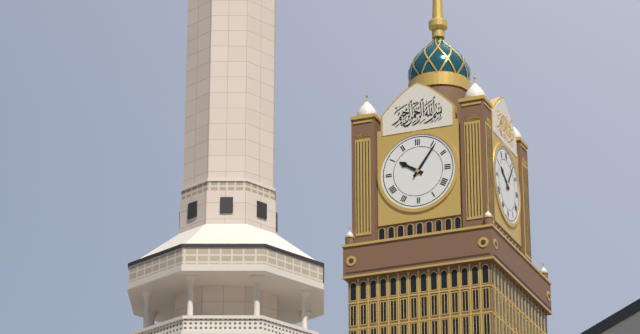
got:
10:06
